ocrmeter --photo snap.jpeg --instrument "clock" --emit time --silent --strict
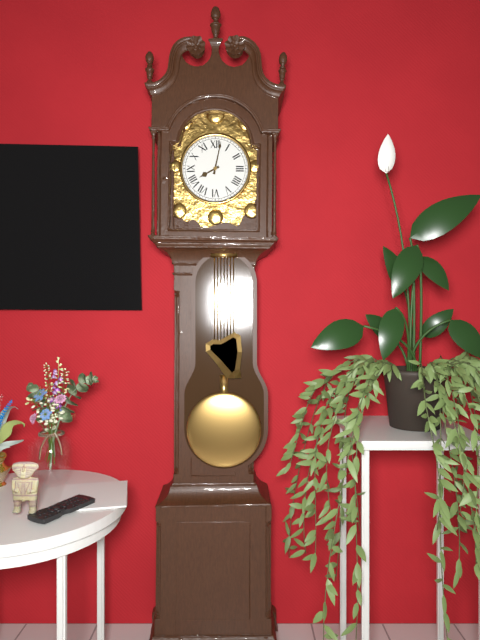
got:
8:02
